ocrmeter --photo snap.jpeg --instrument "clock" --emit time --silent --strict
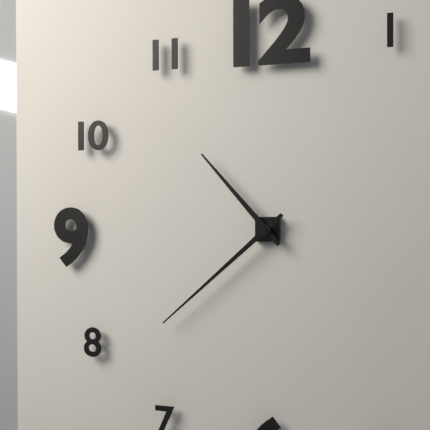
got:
10:38
